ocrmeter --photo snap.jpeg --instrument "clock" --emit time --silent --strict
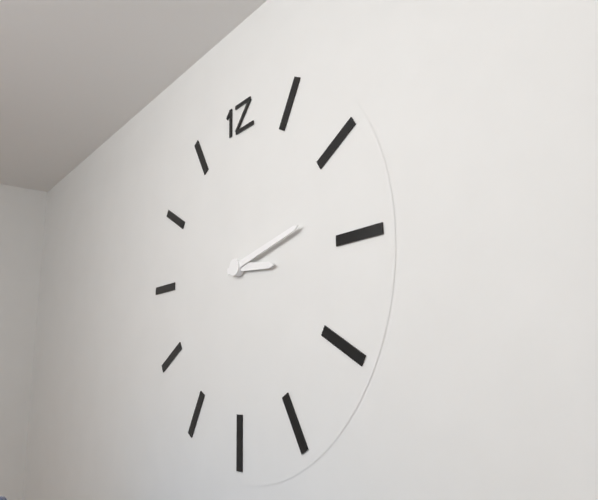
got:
3:13
